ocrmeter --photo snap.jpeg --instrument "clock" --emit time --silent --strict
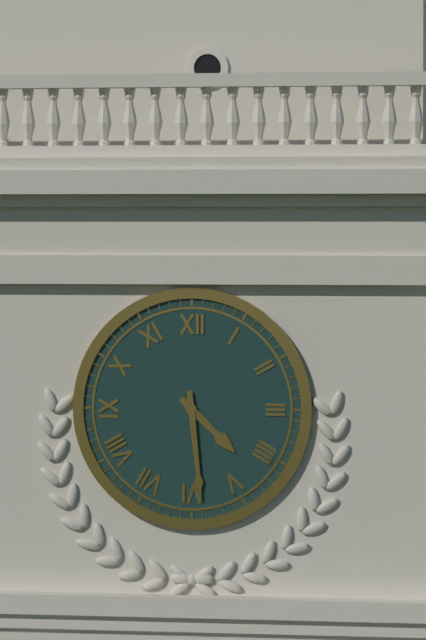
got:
4:29
